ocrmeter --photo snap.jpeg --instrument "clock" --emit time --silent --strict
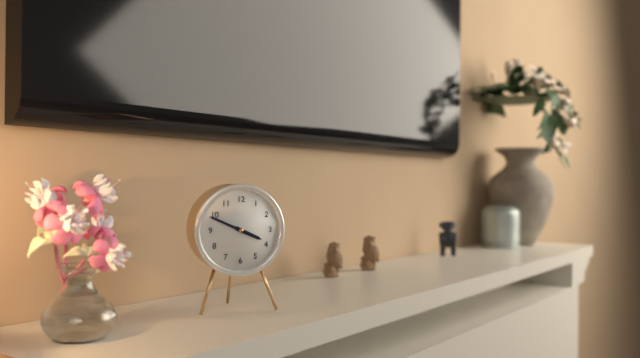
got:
3:49
